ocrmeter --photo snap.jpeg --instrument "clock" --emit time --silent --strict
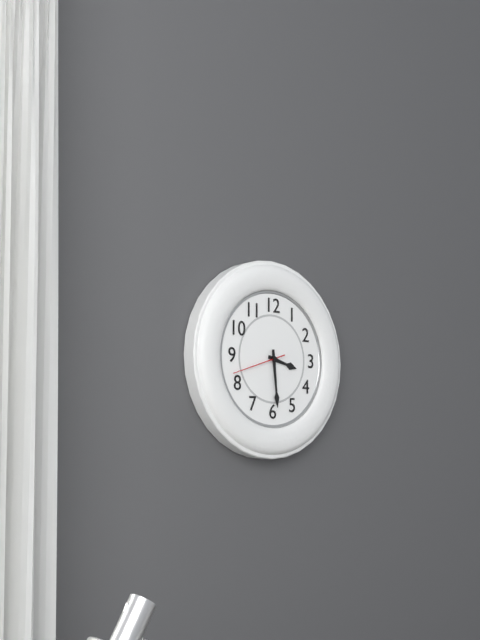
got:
3:29:42
